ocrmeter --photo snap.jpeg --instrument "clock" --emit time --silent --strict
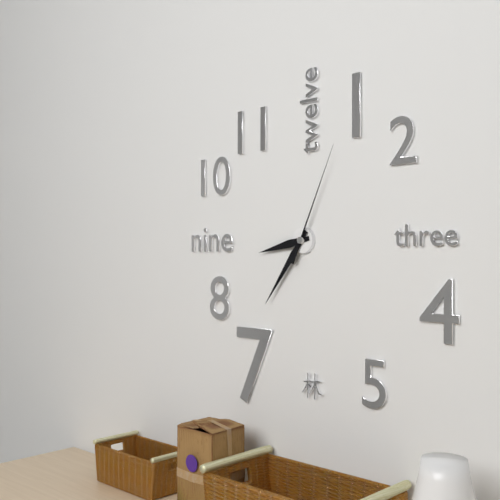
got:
8:36:04
